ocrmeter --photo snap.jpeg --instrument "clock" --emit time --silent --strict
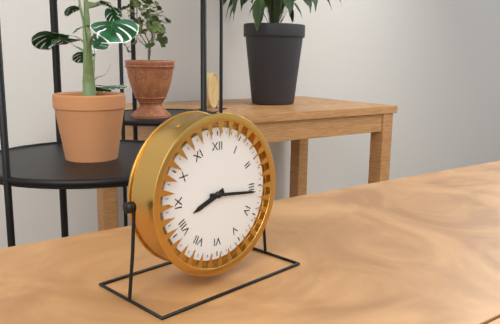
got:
8:16
